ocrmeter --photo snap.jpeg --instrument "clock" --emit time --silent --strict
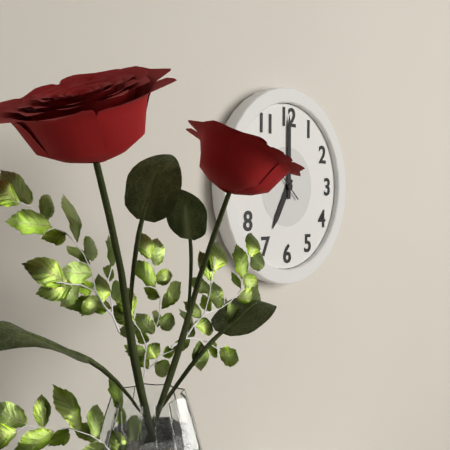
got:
7:00
